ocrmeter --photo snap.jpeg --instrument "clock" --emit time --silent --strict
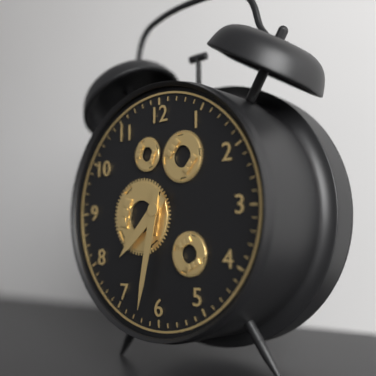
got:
7:32
